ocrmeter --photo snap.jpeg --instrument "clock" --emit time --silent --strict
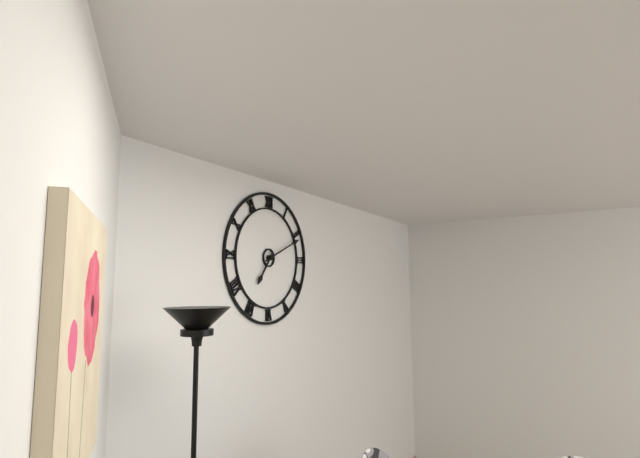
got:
7:11
